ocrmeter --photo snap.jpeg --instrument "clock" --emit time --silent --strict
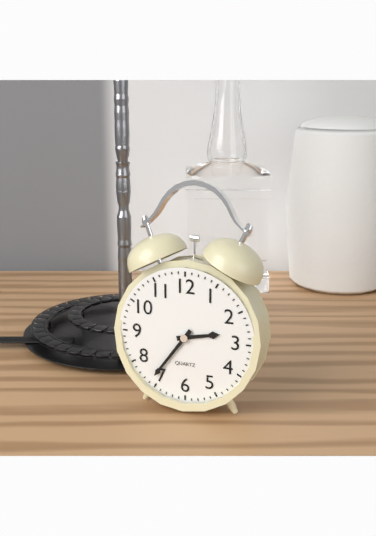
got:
2:36
